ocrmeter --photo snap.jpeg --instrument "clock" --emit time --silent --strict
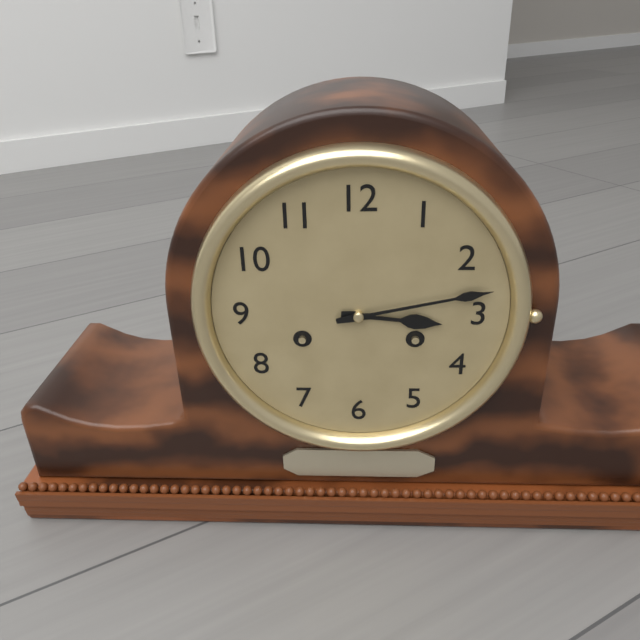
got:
3:13
